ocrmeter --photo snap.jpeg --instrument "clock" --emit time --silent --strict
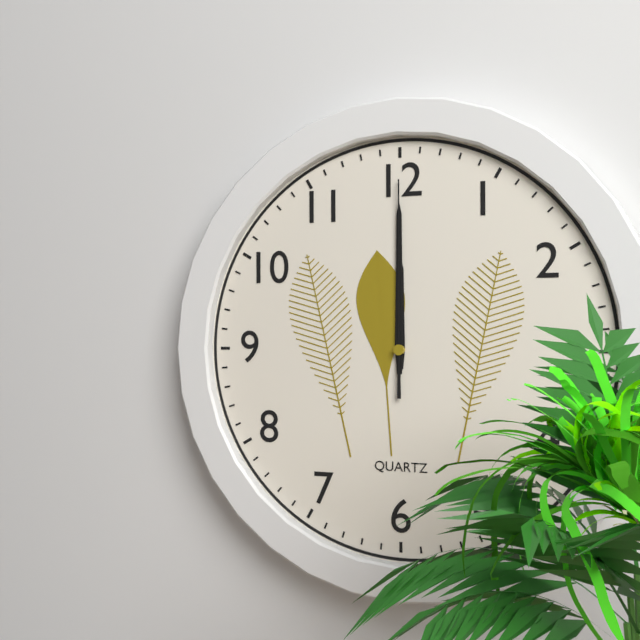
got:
12:00:00
